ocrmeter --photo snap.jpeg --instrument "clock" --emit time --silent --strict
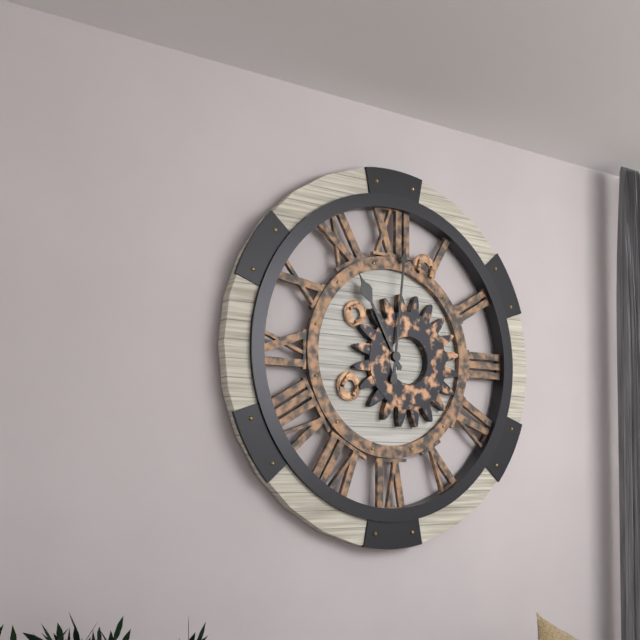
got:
11:01
